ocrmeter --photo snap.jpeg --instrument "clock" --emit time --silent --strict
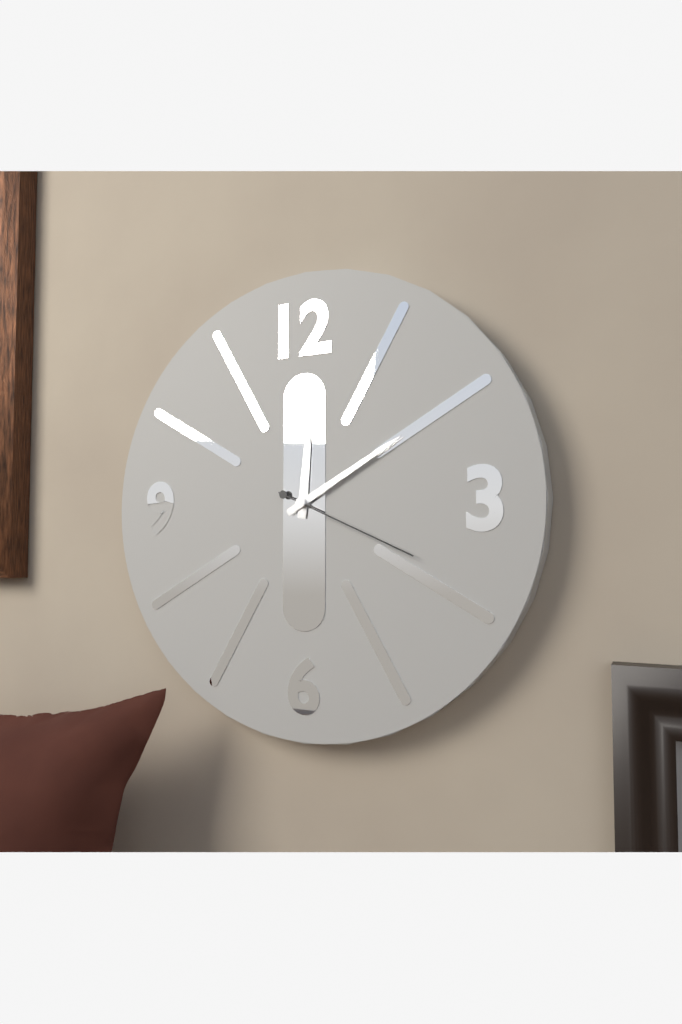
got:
12:10:19
